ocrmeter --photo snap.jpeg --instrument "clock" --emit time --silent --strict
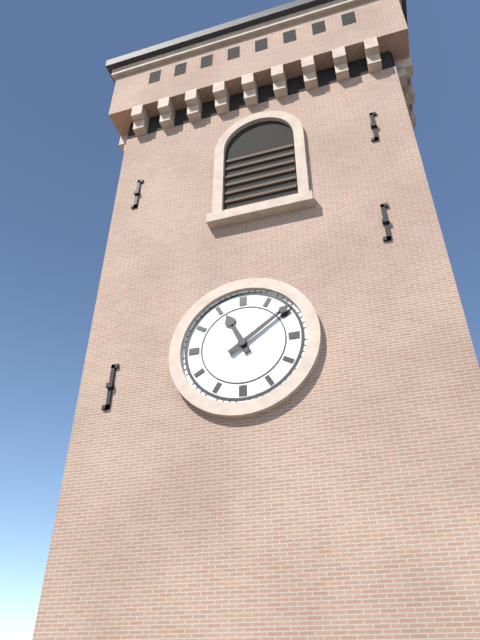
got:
11:09
